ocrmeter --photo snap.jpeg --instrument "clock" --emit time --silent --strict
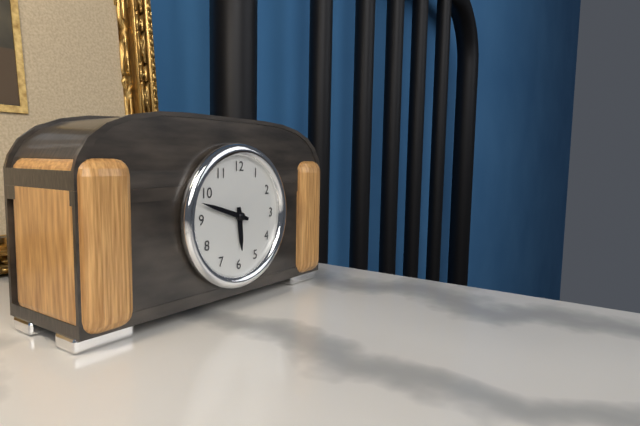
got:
5:48
